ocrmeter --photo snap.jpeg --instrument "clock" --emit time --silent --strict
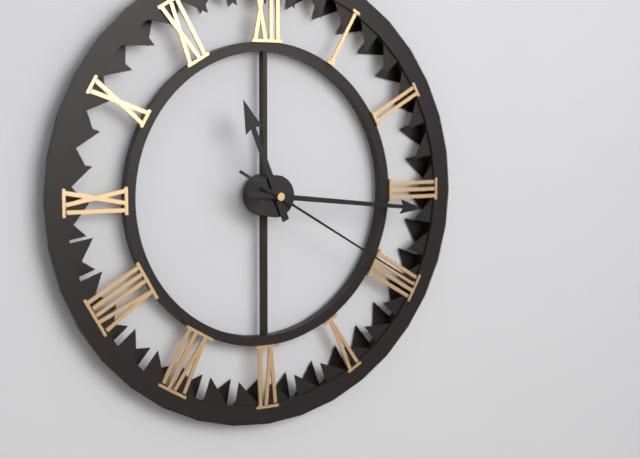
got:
11:16:20
